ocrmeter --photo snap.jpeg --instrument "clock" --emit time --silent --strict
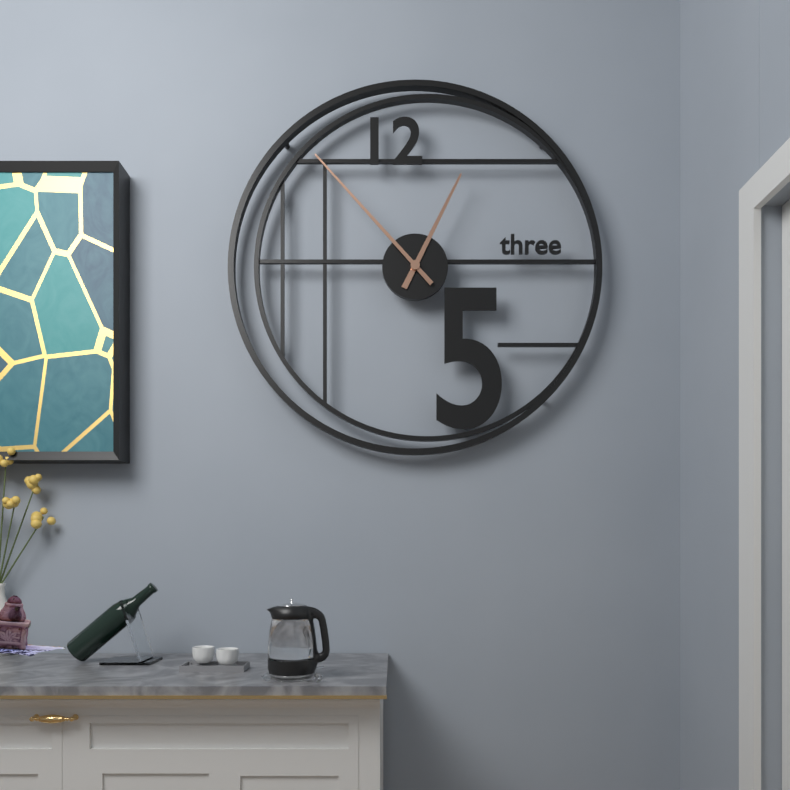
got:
12:53
